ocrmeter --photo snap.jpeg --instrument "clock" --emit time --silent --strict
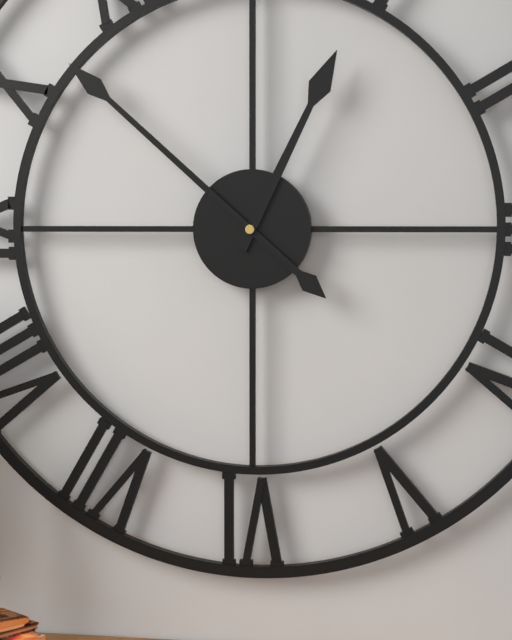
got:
12:52
